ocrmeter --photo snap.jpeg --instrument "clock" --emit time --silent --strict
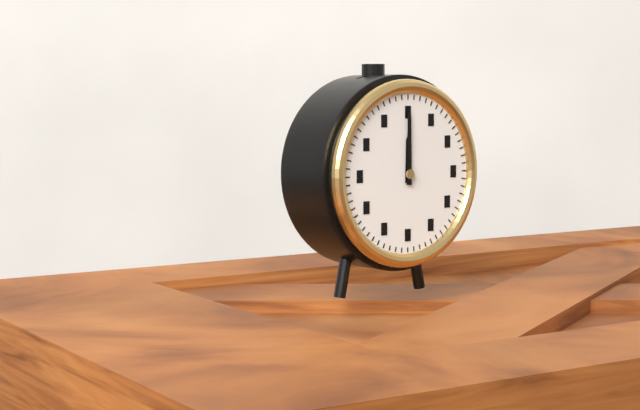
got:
12:00
